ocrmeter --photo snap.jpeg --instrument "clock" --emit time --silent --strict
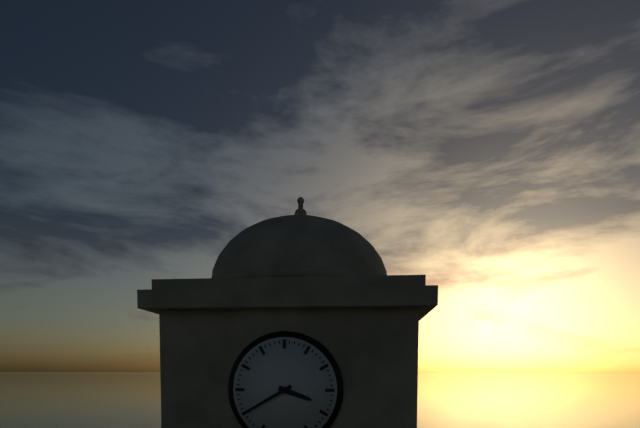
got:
3:40
